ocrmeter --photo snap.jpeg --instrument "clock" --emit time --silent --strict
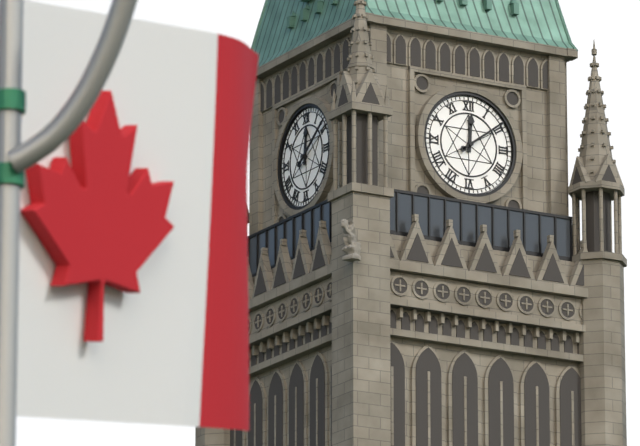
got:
12:09
